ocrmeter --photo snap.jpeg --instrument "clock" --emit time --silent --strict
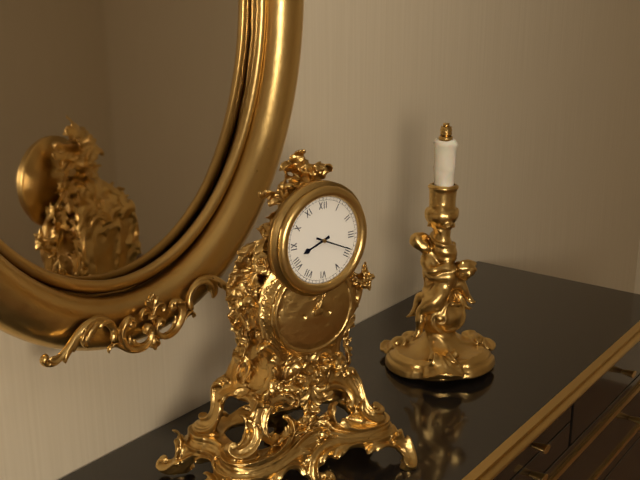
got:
8:19
